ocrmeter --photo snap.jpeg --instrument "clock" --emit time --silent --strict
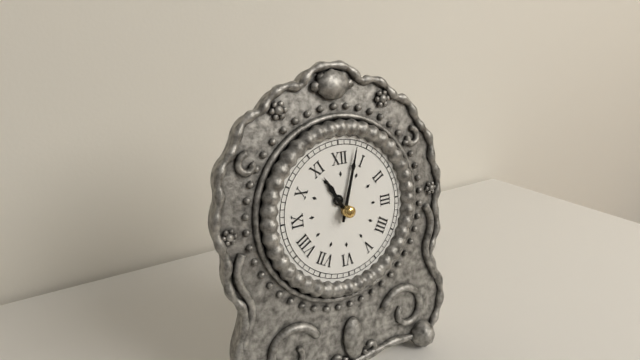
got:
11:03
